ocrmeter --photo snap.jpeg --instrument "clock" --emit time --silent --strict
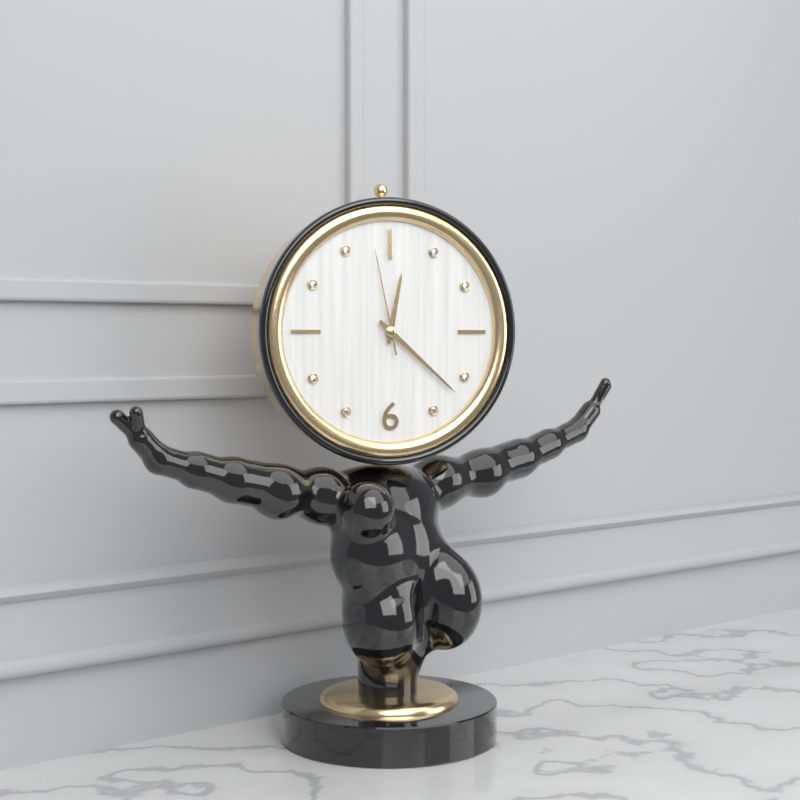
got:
12:22:58
